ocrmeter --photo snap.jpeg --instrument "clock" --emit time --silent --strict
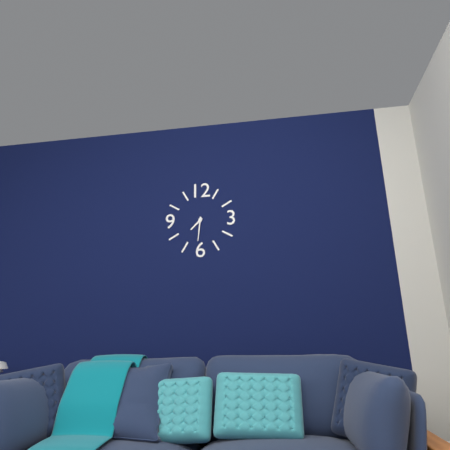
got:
7:31
